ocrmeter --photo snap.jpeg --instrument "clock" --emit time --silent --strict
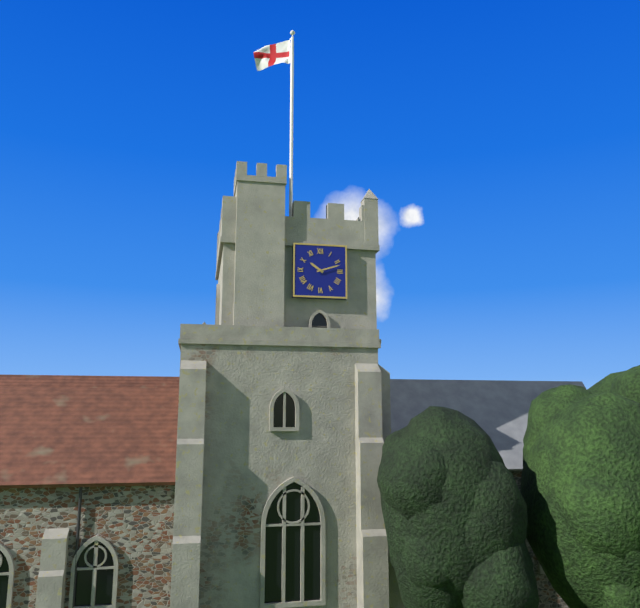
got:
10:12
